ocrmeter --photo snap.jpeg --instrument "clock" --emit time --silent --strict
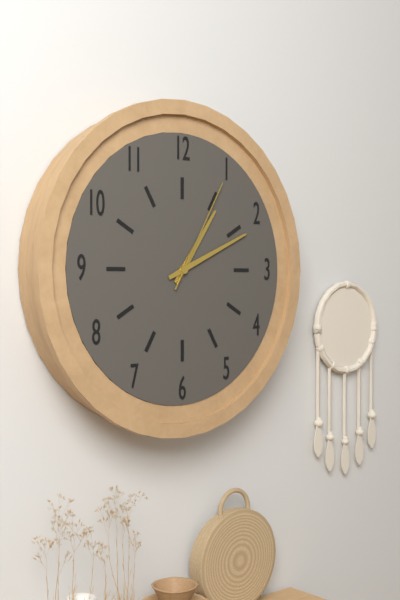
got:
1:11:05
